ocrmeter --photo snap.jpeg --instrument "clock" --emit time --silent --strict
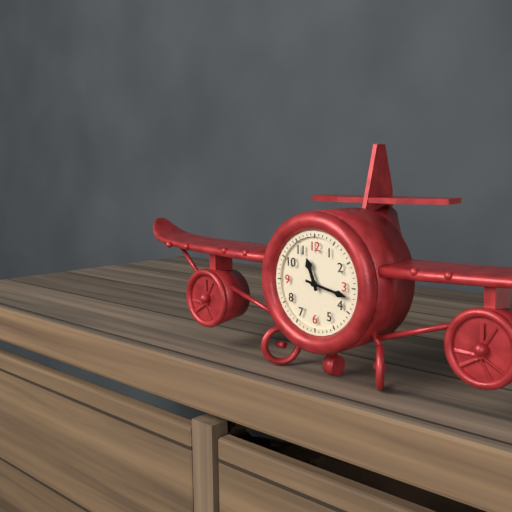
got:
11:17
